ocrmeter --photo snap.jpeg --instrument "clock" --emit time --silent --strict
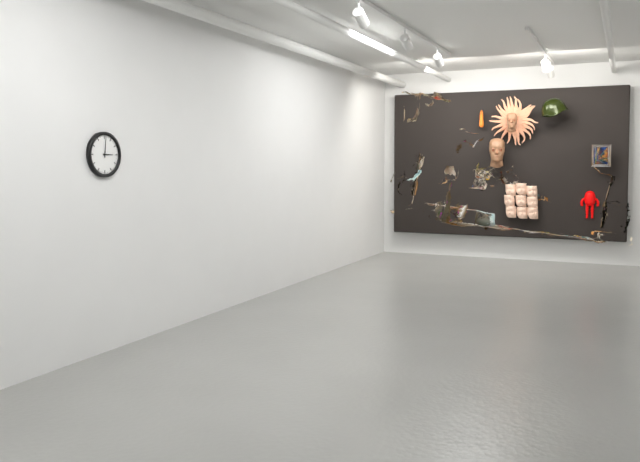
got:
3:01
